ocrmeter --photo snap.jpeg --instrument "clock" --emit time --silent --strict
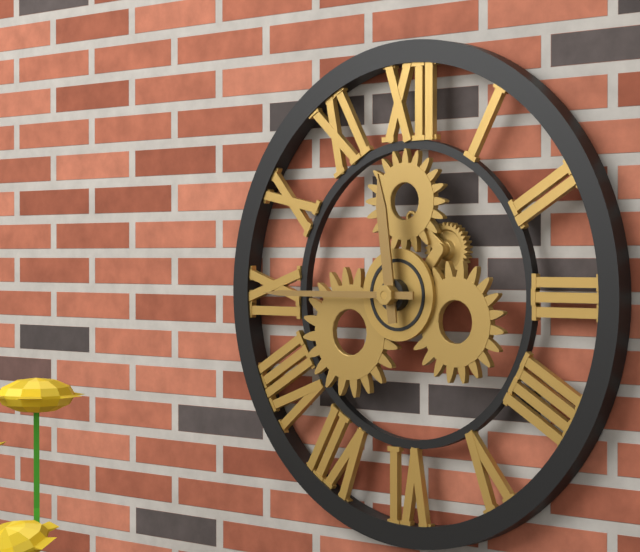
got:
11:45
